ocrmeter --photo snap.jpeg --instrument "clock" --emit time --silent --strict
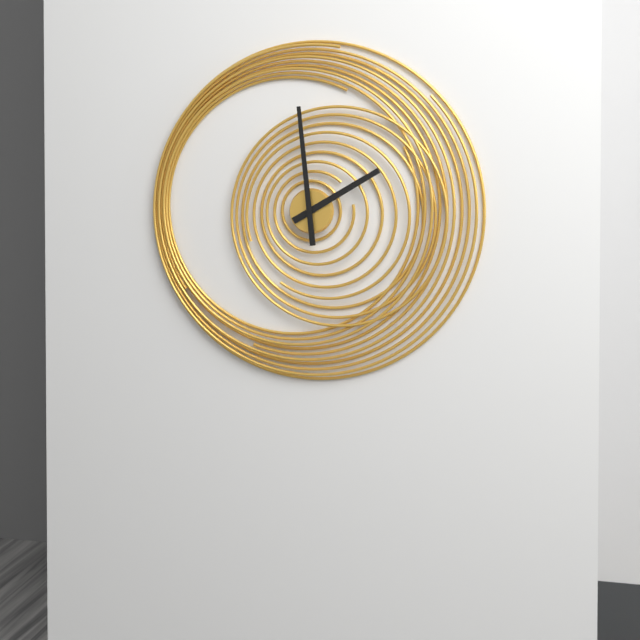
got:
1:59
